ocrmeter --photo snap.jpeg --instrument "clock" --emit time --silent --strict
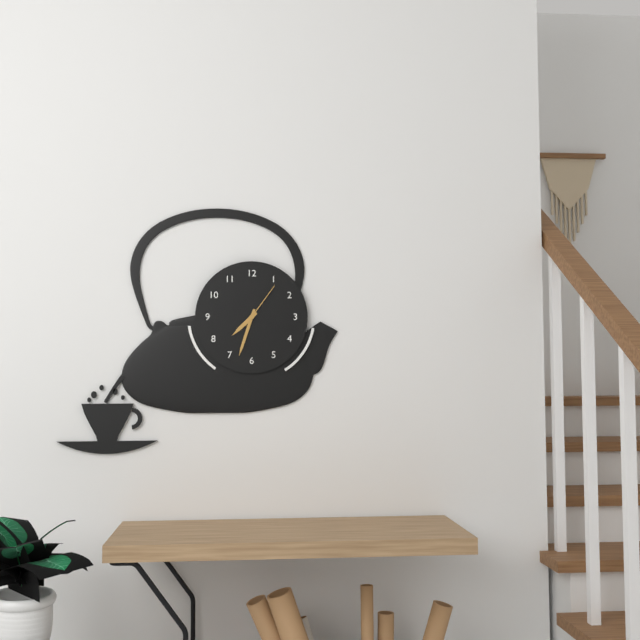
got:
7:33
